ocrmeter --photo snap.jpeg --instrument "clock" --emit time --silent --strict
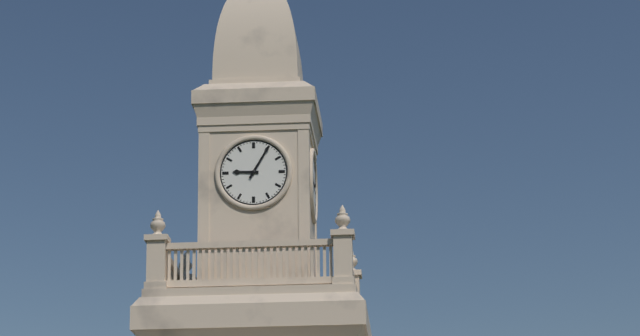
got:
9:05
